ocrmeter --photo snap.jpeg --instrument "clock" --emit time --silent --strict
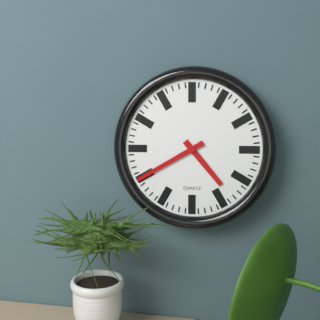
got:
4:40
